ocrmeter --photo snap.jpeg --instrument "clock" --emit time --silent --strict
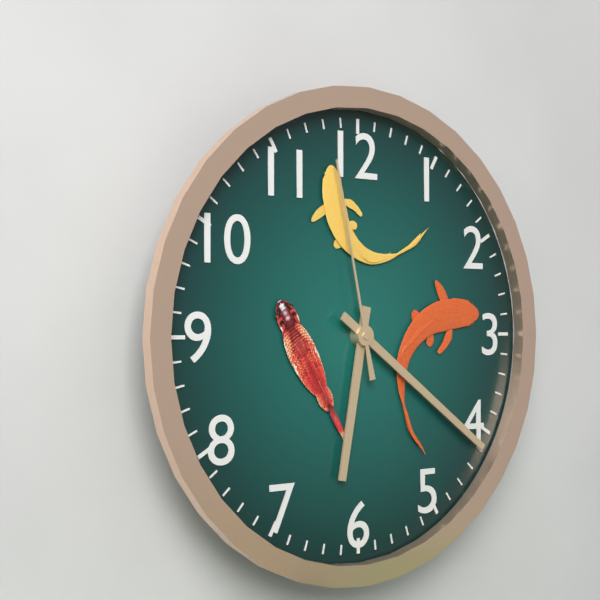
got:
6:21:58
